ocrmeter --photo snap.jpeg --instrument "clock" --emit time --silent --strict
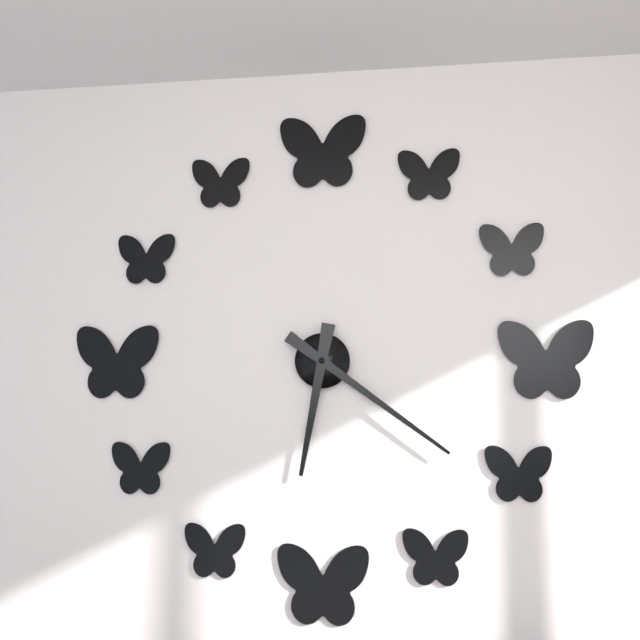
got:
6:21
